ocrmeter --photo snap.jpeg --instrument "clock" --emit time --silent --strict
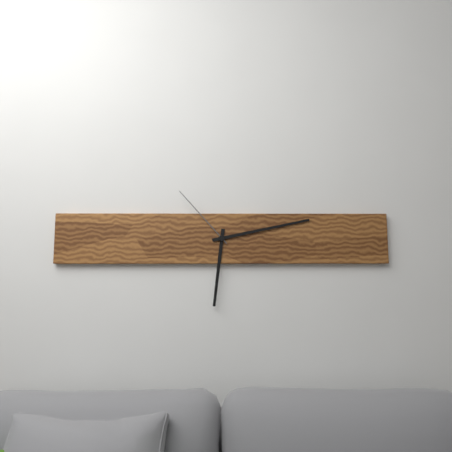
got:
6:13:53
